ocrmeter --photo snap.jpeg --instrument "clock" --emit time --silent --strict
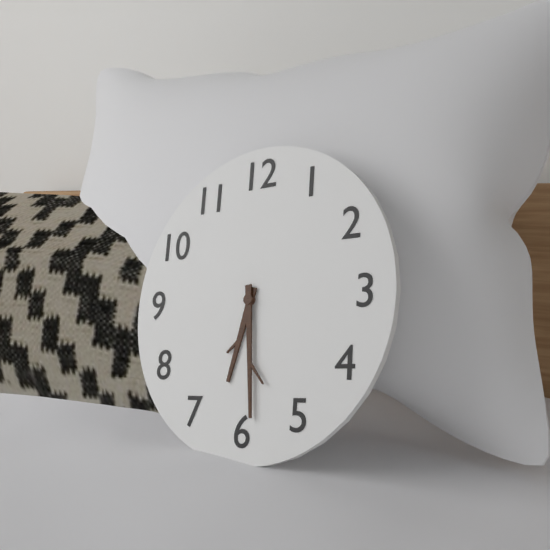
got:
6:29
